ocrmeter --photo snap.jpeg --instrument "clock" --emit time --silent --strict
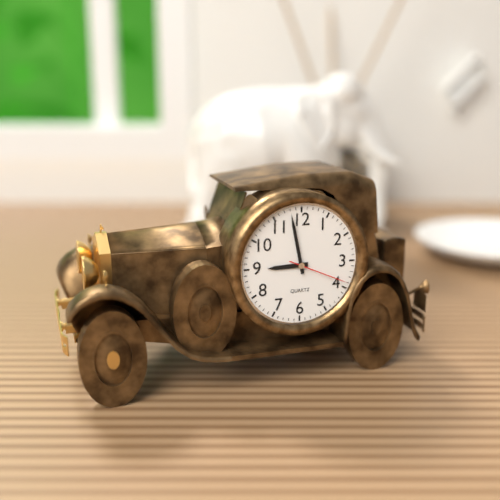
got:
8:58:19
